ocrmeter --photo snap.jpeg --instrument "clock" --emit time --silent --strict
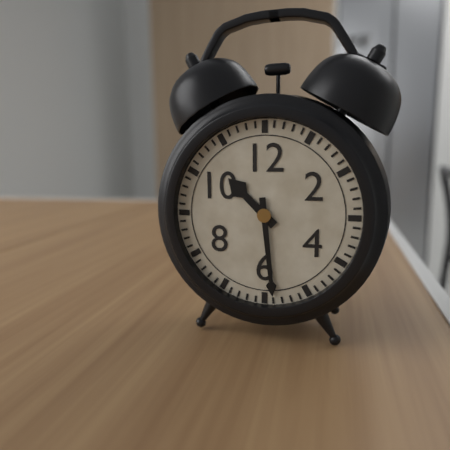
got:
10:29
